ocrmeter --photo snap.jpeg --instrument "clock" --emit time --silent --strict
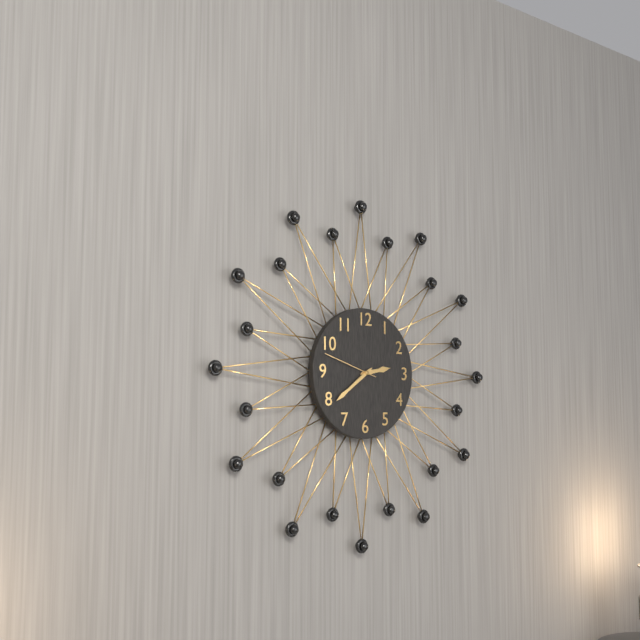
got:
2:39
